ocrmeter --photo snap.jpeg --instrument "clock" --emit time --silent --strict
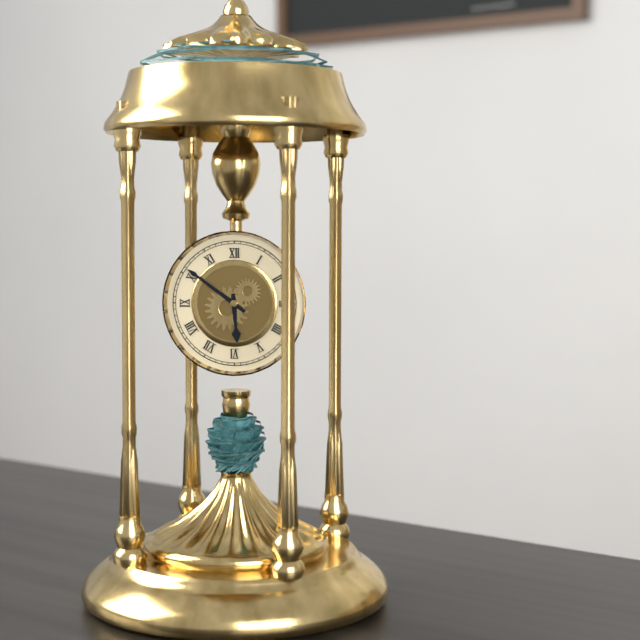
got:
5:51
